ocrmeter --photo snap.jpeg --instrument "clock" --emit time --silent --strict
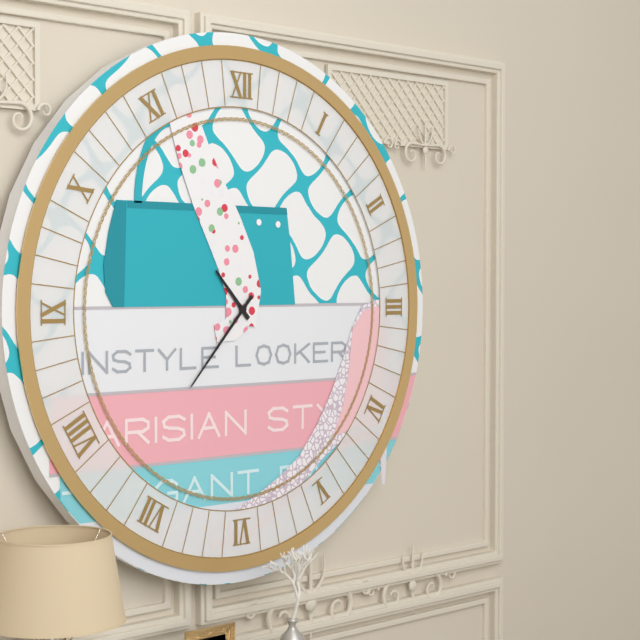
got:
10:37
